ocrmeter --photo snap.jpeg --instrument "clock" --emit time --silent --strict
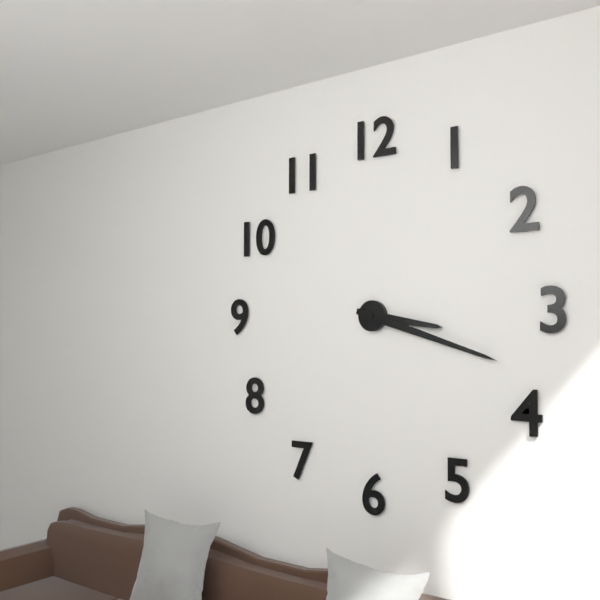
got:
3:18
